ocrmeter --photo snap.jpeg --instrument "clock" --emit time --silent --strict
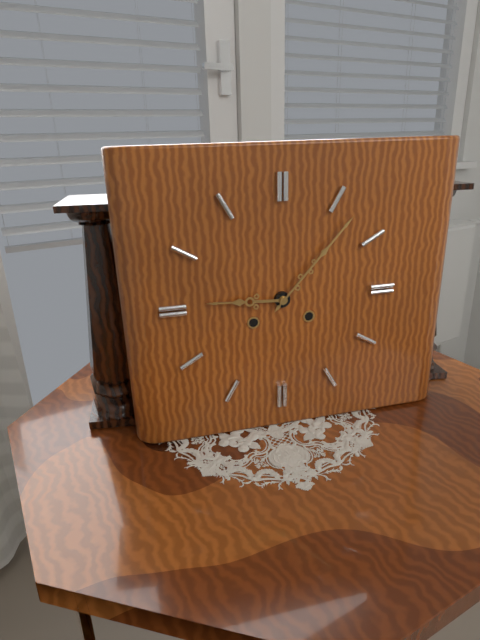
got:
9:07
